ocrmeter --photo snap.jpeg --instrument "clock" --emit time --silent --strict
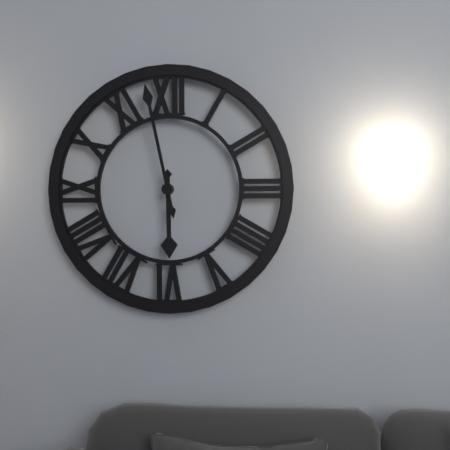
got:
5:58
